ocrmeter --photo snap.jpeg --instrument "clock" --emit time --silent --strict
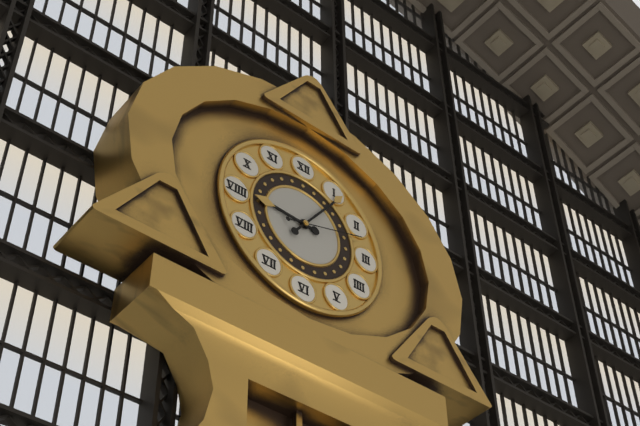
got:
9:06:12
